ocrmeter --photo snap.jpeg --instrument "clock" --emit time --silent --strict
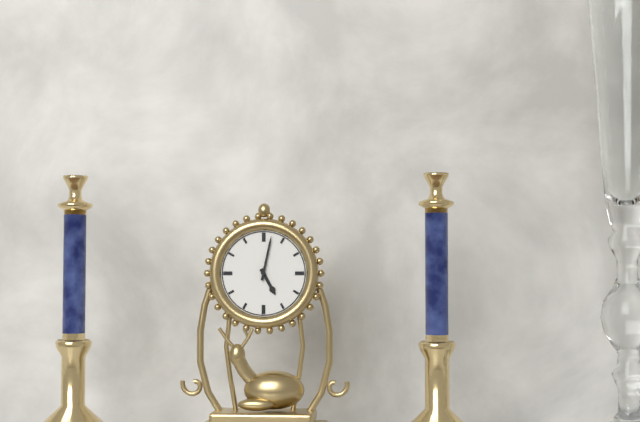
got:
5:02
